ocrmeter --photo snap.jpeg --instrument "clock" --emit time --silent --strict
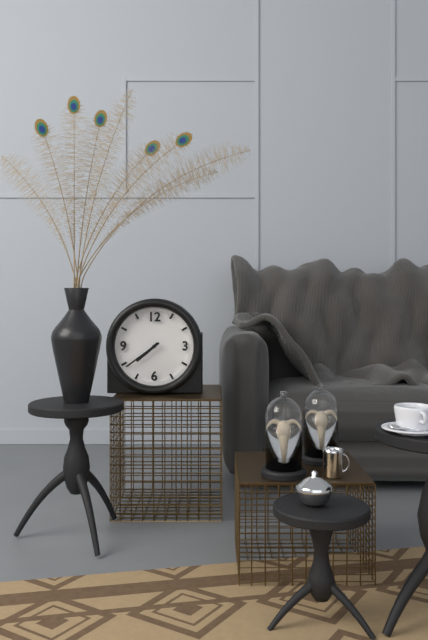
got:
7:39
